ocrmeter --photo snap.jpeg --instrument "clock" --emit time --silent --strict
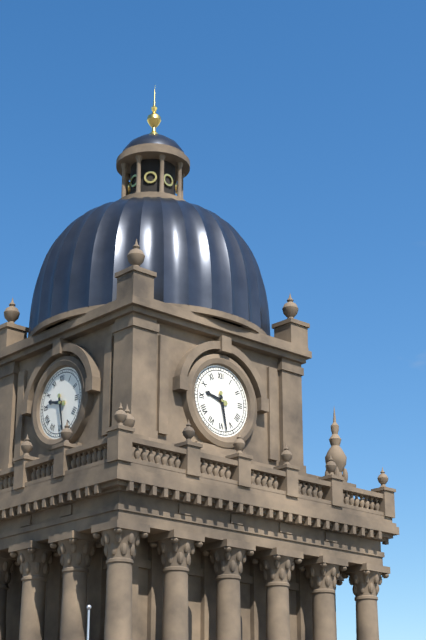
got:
9:28
